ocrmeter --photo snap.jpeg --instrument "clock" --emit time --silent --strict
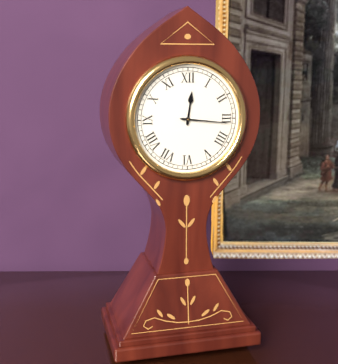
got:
12:16
